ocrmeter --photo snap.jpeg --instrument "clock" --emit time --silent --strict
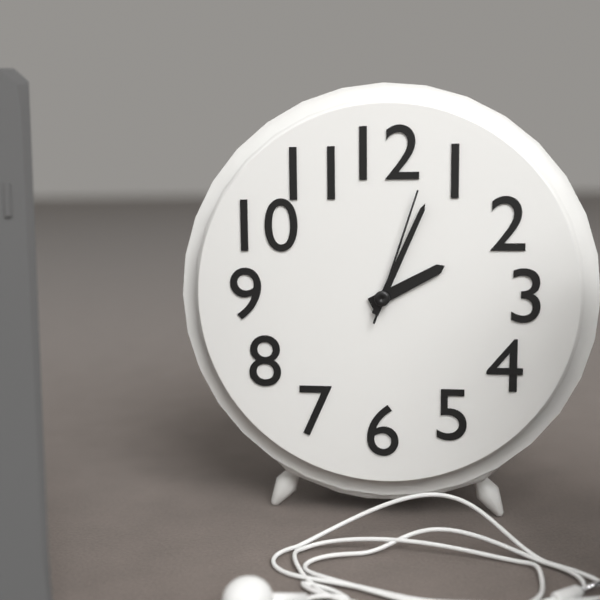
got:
2:04:03
